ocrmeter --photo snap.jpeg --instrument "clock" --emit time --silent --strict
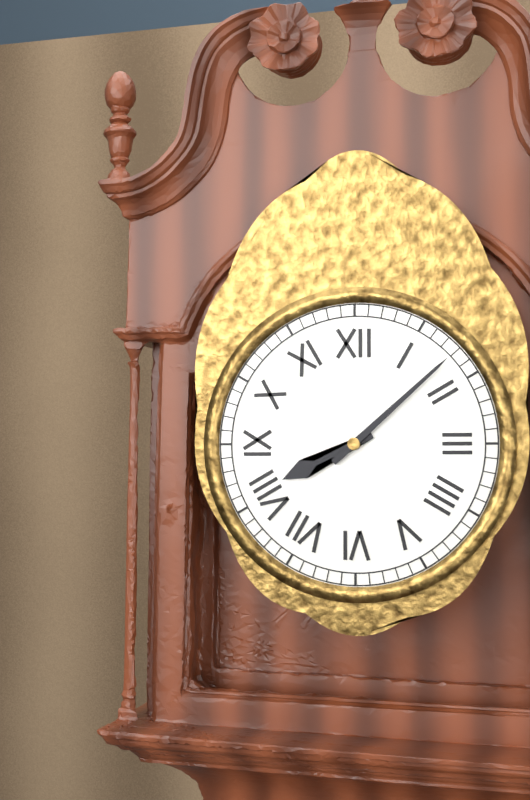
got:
8:08
